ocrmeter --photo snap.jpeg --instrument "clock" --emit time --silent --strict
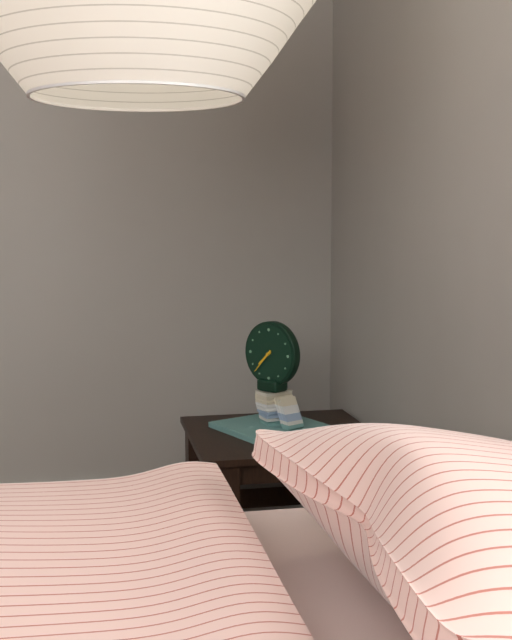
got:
7:37
